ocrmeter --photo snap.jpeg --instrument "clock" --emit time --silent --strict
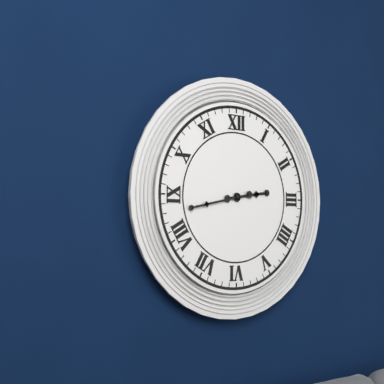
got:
2:43
